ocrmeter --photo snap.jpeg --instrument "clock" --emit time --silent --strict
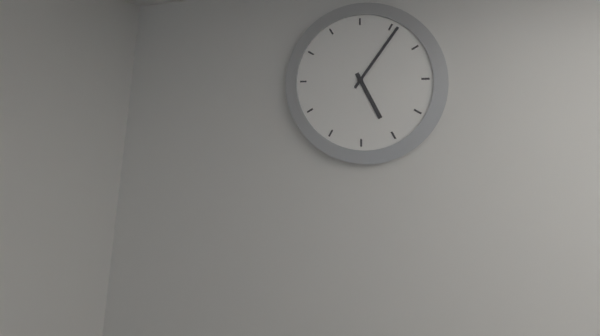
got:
5:06
